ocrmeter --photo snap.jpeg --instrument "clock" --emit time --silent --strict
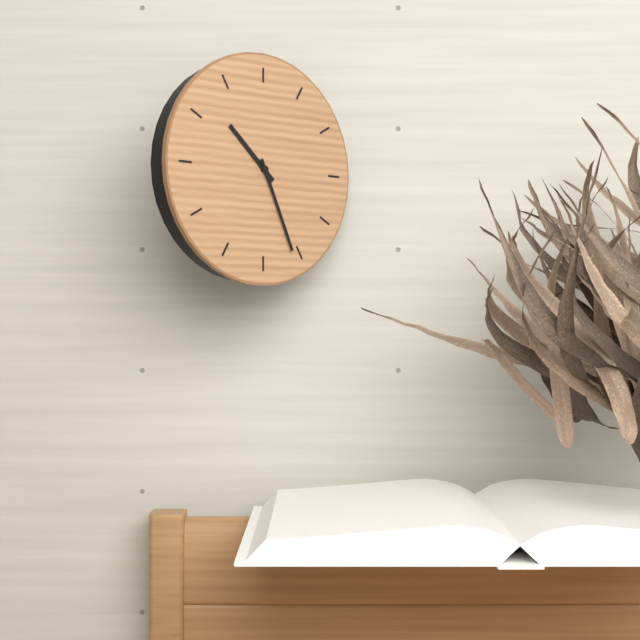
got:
10:26
